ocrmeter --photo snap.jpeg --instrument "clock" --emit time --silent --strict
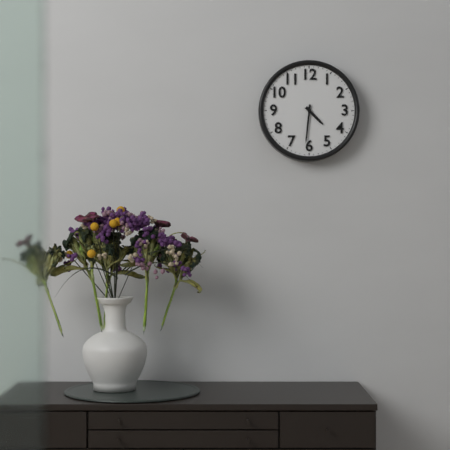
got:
4:31
